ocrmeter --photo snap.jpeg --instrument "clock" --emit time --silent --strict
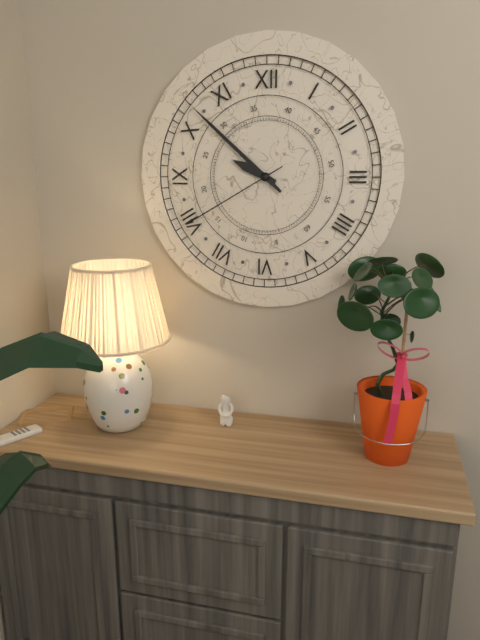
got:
9:52:40
